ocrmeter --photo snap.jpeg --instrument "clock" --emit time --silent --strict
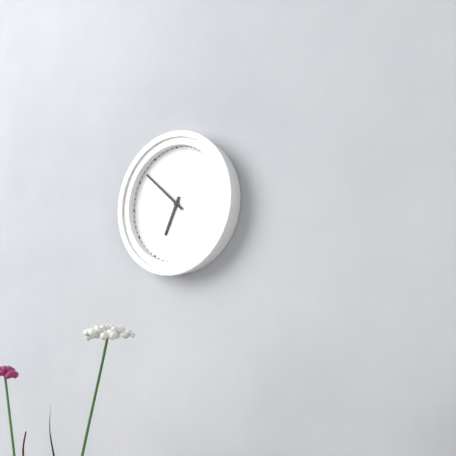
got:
6:52
